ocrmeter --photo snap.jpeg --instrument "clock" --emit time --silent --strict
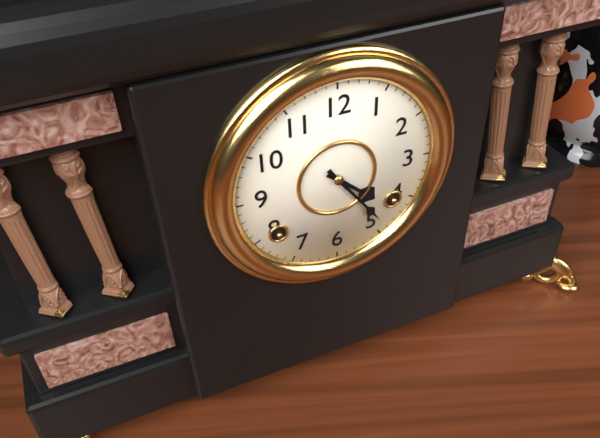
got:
4:24
